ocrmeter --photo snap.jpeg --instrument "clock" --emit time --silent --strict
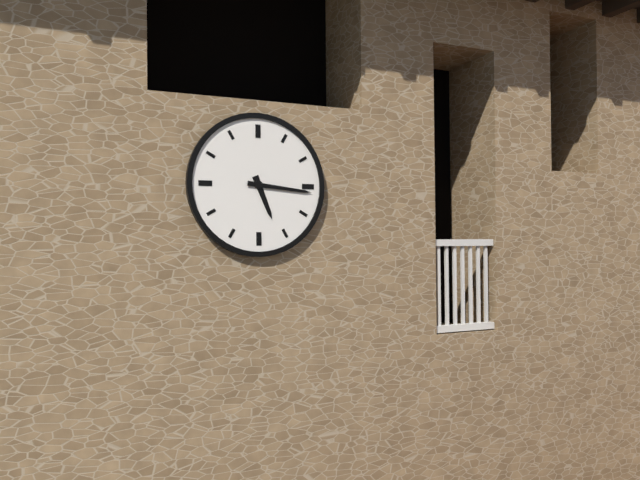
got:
5:16
